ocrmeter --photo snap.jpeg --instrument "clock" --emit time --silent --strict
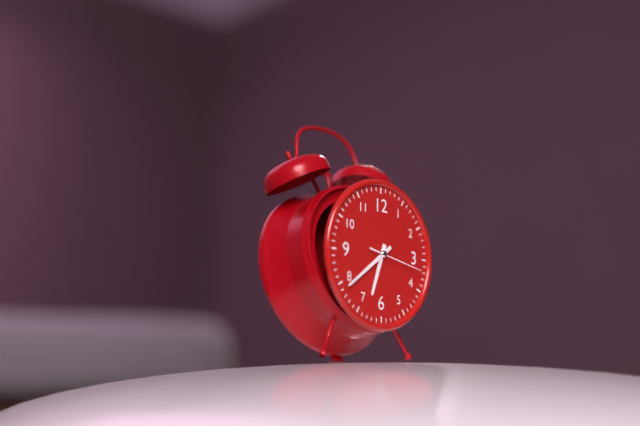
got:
6:39:17
